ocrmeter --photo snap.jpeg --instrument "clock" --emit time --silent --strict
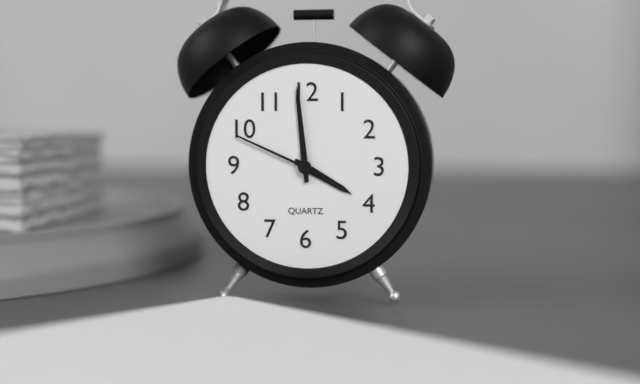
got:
3:59:49
